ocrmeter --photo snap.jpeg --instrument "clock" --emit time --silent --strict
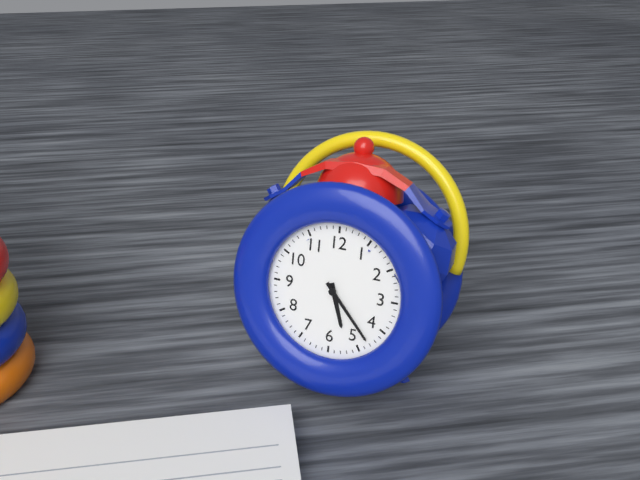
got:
5:23
